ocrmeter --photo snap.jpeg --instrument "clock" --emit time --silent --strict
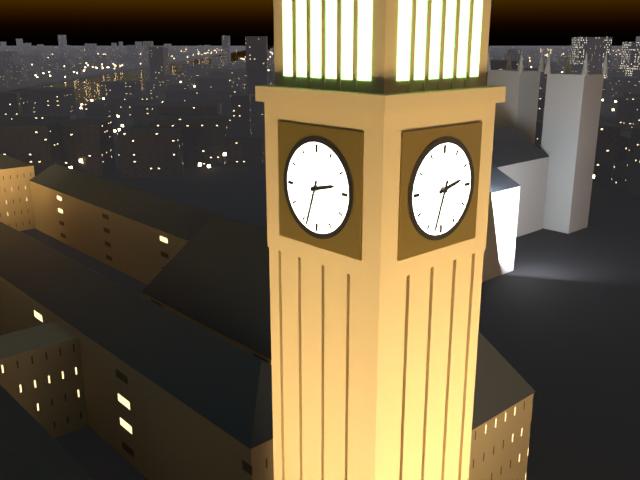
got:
2:33
